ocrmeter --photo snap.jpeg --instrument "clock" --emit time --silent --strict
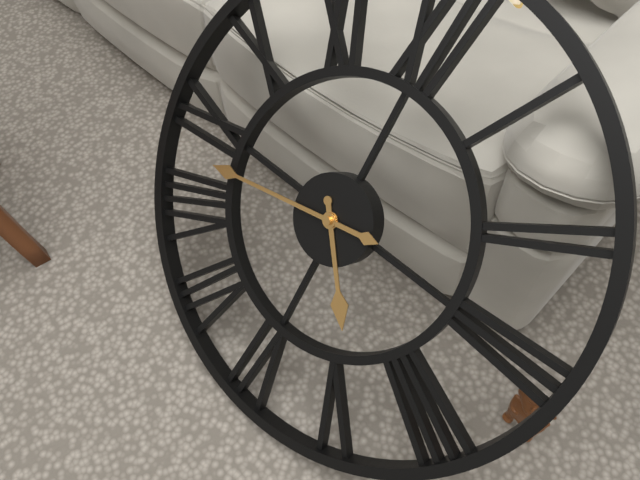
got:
4:43
